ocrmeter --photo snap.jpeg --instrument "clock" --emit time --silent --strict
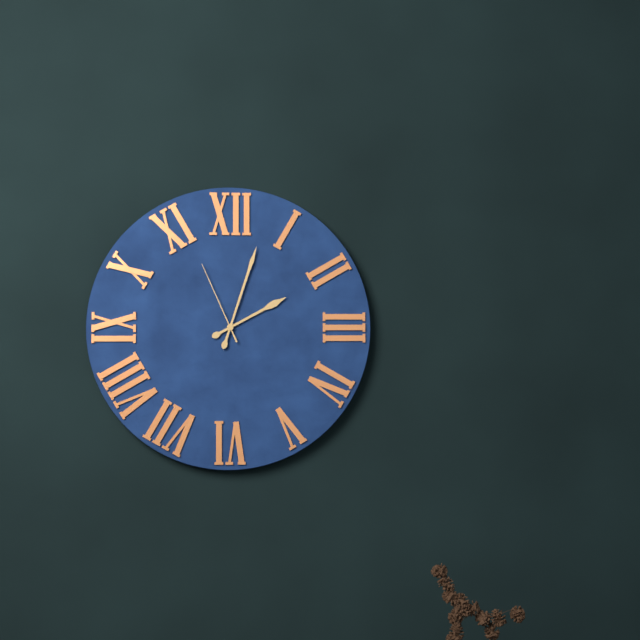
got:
2:03:56
